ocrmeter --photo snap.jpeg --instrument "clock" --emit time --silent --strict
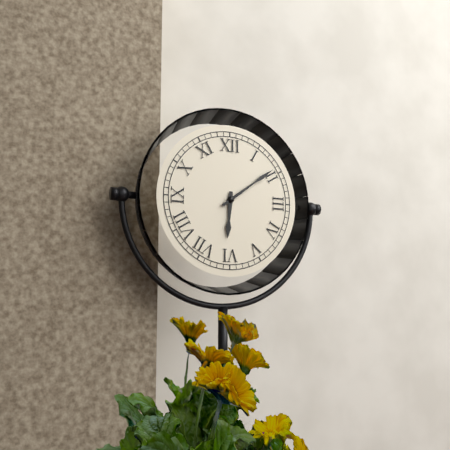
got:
6:09
